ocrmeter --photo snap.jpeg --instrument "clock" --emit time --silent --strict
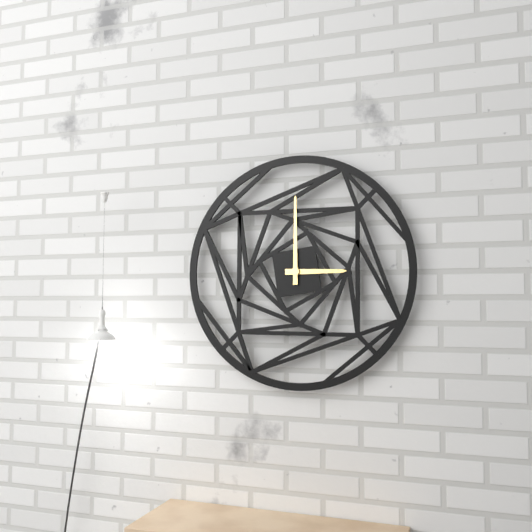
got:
3:00
